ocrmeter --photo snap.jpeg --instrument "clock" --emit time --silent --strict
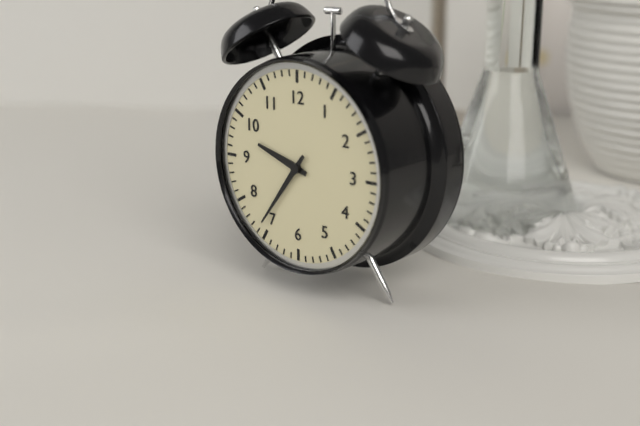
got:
9:36
